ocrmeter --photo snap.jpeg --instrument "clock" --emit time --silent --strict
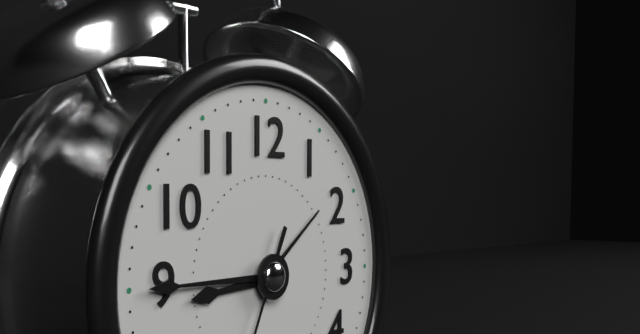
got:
8:45
